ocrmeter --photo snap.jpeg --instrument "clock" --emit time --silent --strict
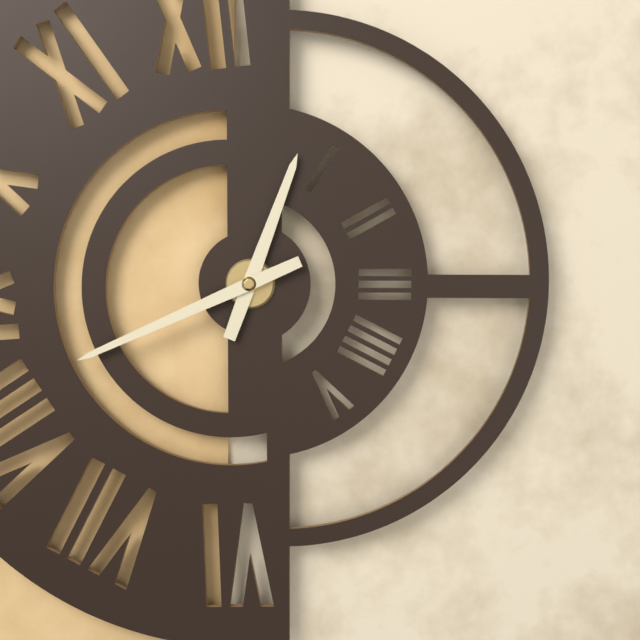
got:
12:41
